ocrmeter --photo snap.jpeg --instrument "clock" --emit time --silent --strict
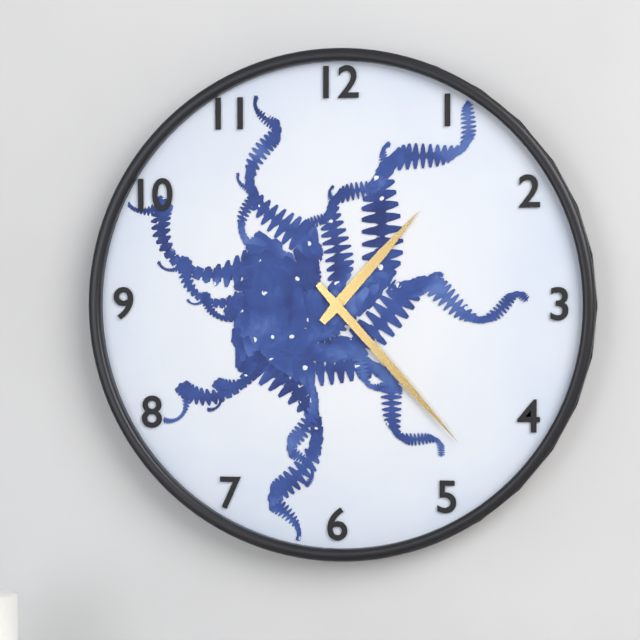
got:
1:23
